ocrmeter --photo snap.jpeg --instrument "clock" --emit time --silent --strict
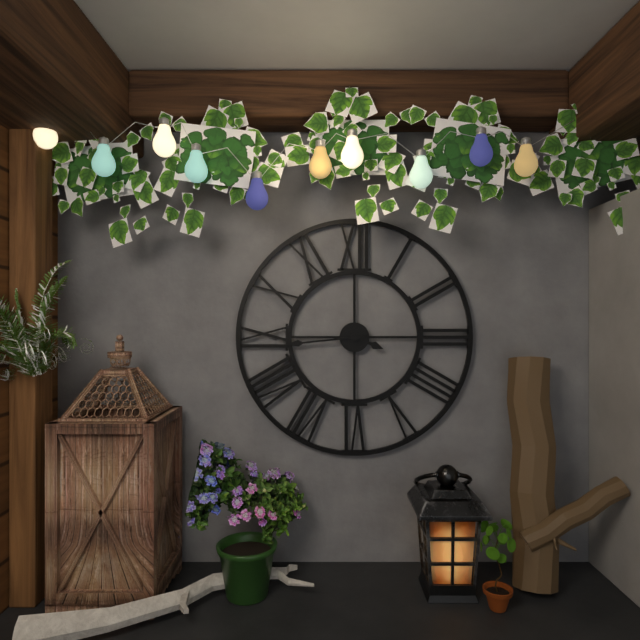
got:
3:44
